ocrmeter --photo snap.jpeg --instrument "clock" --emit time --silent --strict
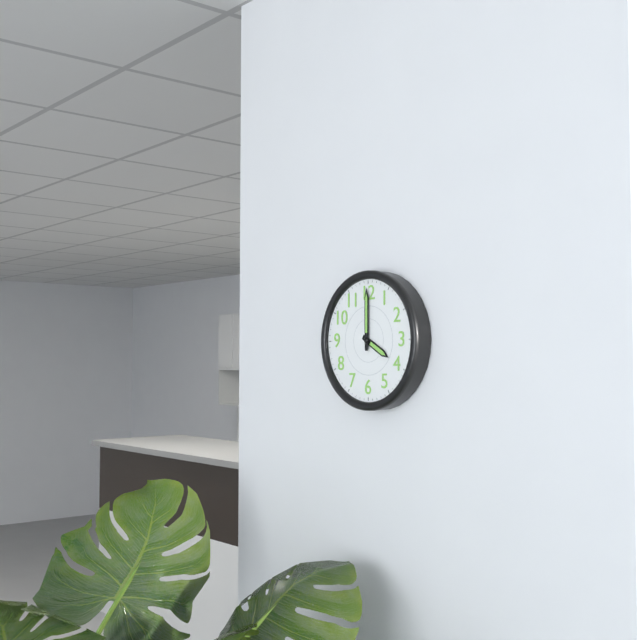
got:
4:00
